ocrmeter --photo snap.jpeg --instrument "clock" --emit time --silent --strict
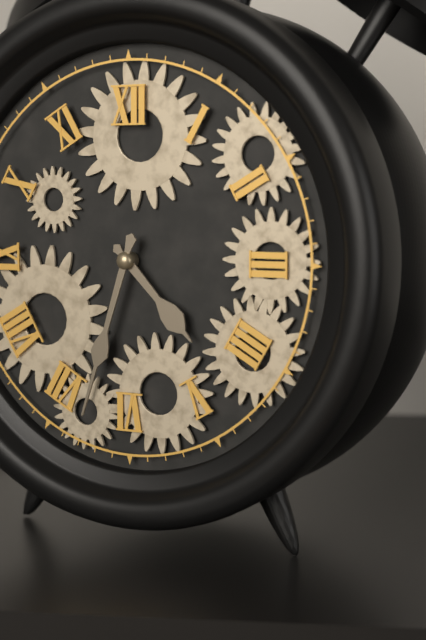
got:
4:33
